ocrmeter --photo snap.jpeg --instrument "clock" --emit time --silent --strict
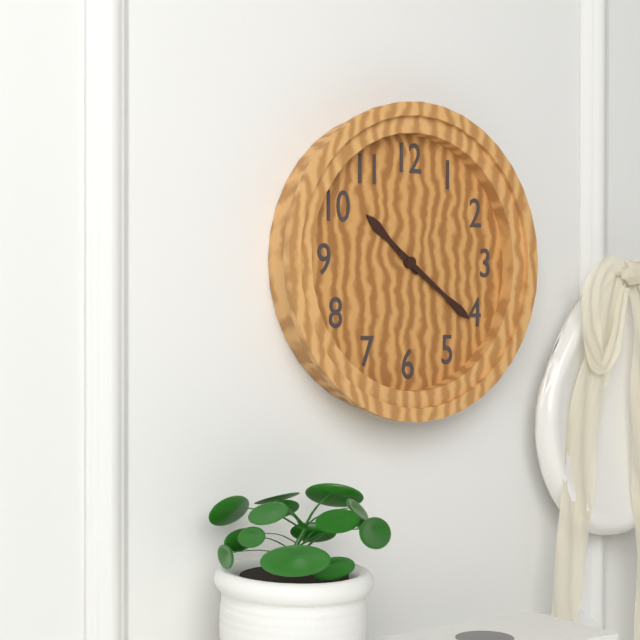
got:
10:21
